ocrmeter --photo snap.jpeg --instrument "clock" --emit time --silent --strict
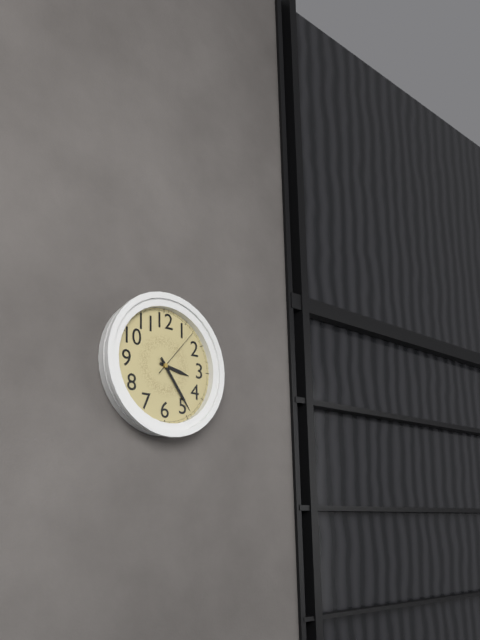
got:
3:24:07
